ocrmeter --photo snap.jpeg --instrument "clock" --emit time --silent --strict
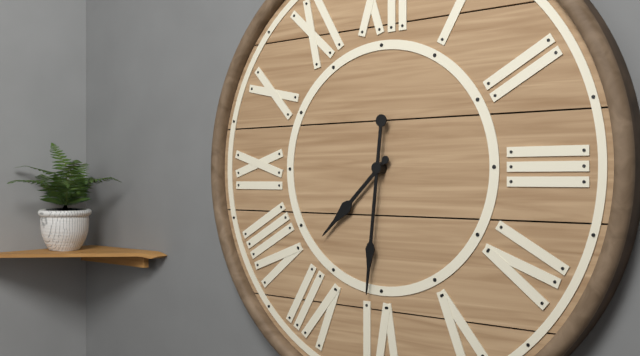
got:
7:31
